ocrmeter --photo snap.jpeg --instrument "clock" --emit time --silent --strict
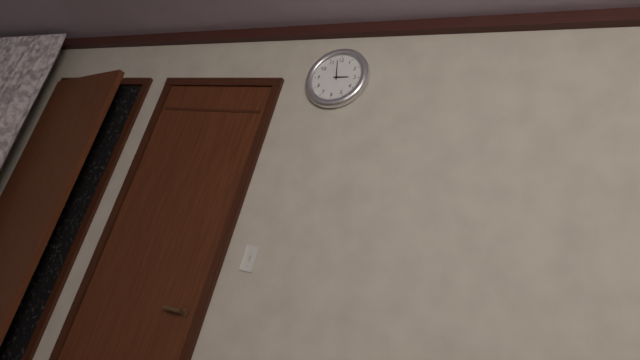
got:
2:58
